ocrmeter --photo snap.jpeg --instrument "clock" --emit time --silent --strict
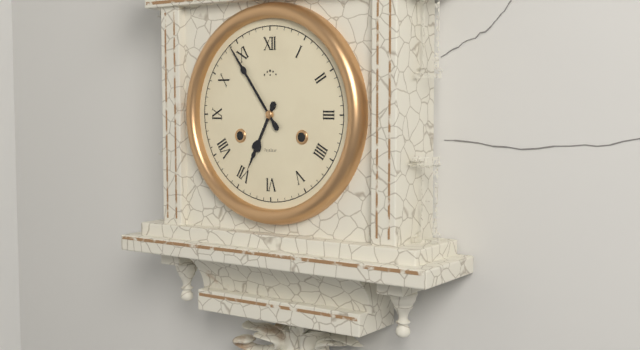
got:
6:54
